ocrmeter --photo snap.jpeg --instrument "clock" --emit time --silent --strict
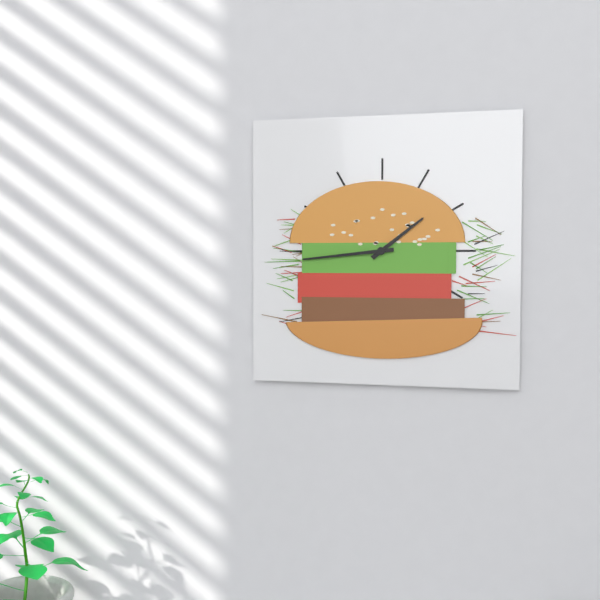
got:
1:44
